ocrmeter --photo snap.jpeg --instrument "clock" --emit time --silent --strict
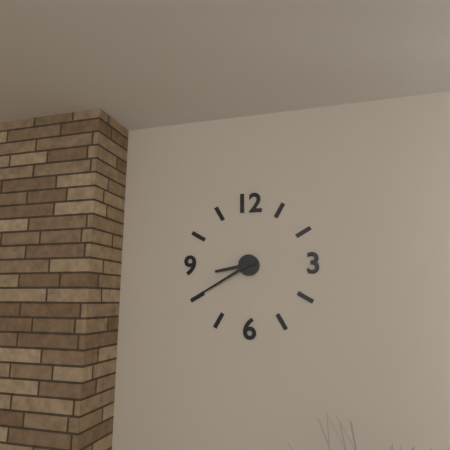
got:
8:40
